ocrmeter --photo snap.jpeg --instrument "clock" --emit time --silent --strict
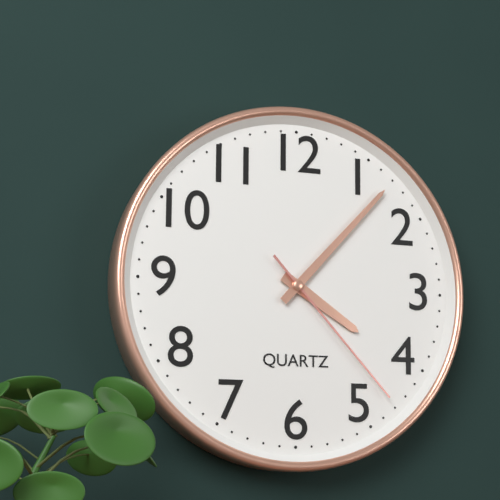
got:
4:07:23
